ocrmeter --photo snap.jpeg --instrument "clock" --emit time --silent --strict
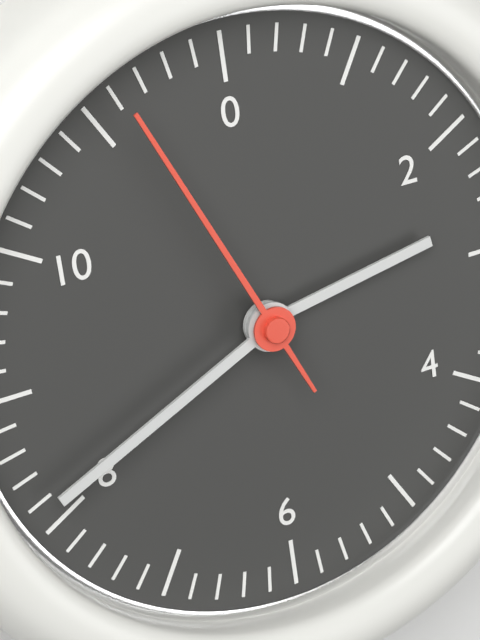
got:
2:41:56
